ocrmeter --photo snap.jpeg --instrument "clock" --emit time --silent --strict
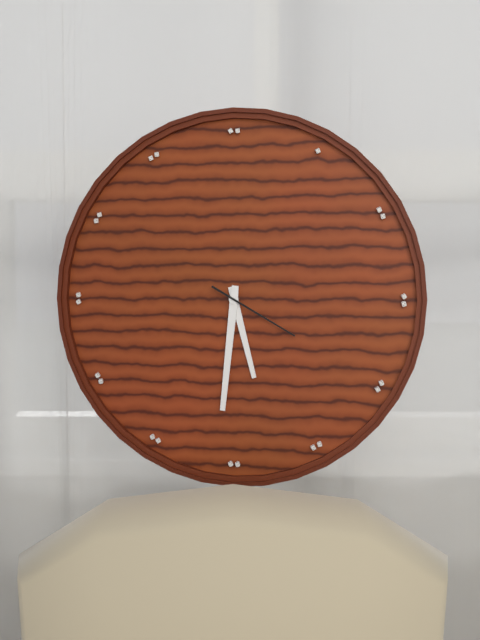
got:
5:31:20
